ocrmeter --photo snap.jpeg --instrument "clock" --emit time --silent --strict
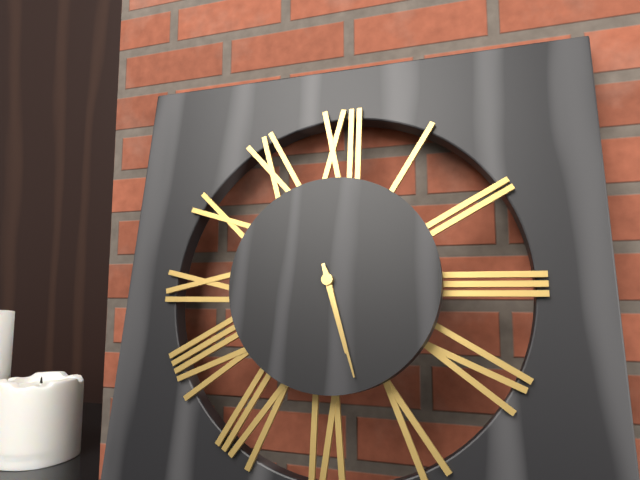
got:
5:27
